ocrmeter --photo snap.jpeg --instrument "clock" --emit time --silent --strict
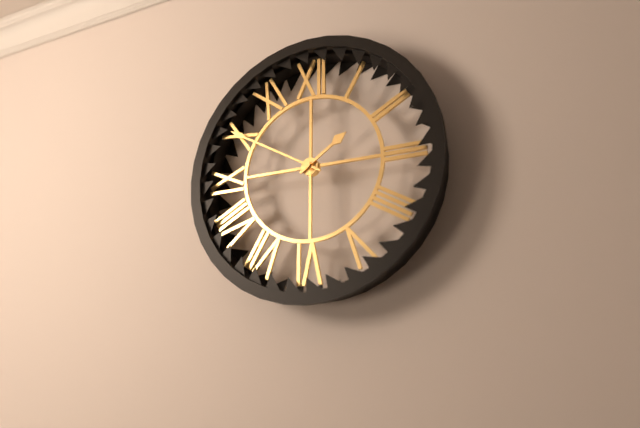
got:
1:50
